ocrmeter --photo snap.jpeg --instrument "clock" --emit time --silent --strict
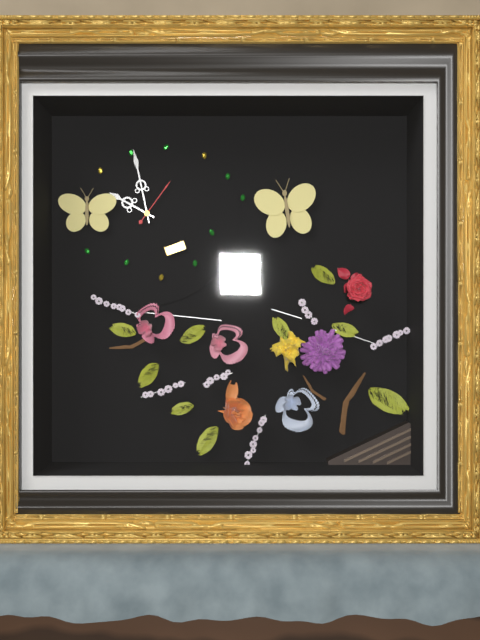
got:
9:58:06
